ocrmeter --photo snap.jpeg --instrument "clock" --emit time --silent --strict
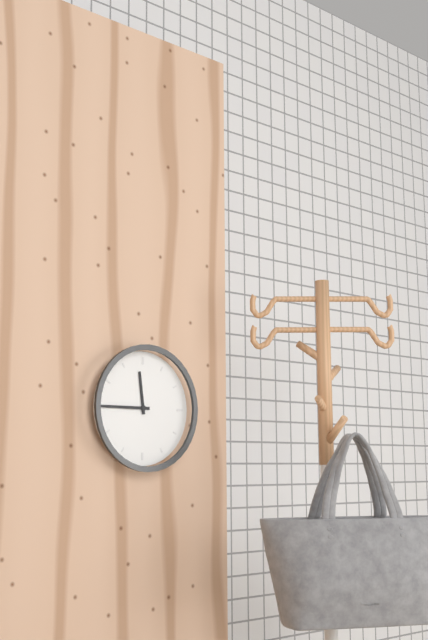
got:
11:45
